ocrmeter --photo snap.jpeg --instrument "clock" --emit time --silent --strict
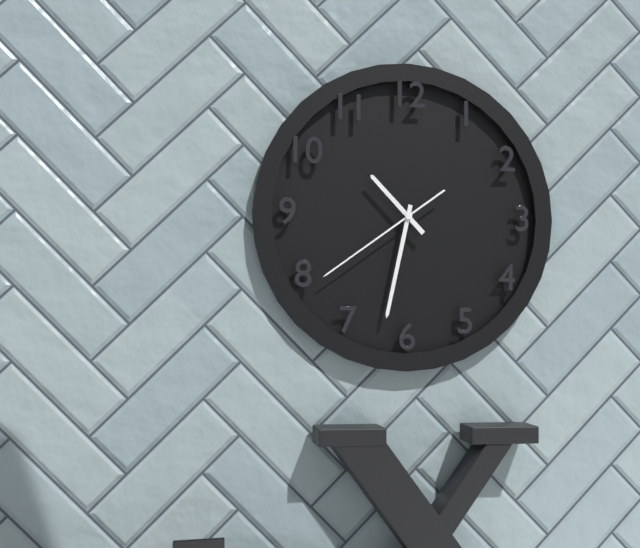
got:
10:32:39
